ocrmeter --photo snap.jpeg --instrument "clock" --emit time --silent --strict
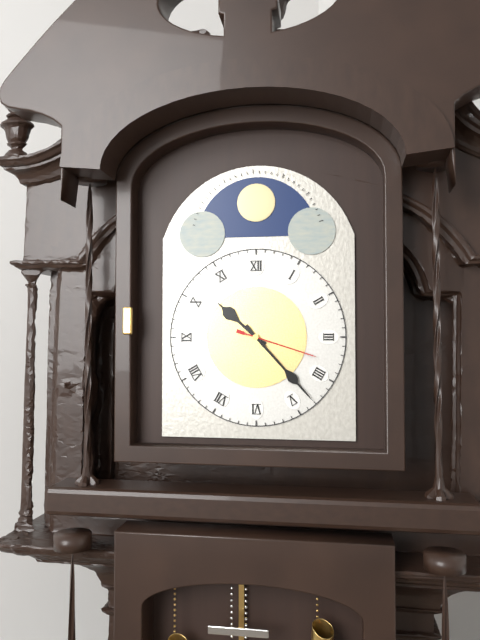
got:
10:23:18
